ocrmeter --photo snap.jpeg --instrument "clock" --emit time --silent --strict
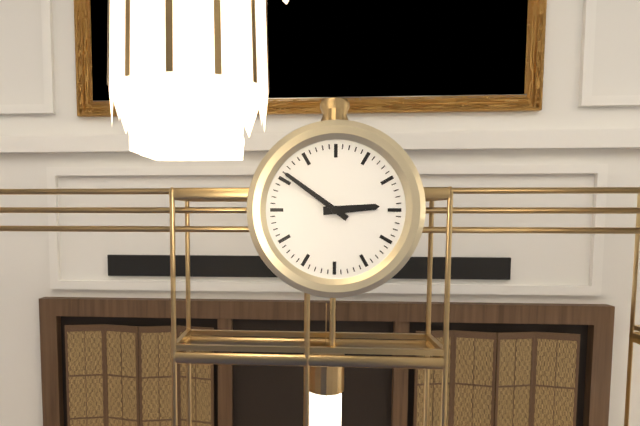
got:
2:51
